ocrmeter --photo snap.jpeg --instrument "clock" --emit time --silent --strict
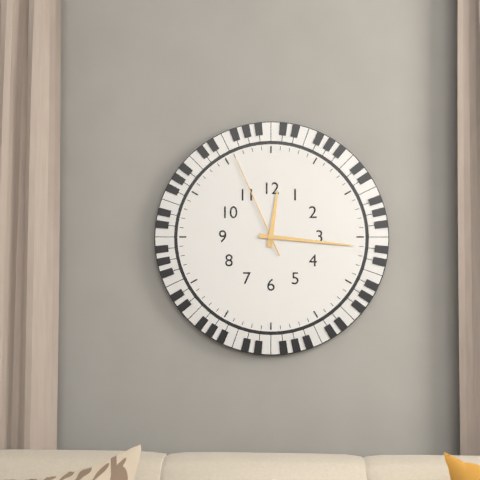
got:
12:16:56
